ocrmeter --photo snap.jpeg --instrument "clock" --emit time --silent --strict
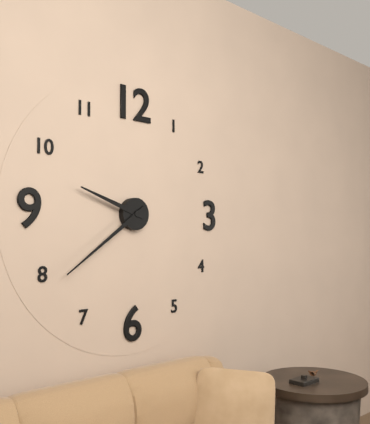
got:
9:39
